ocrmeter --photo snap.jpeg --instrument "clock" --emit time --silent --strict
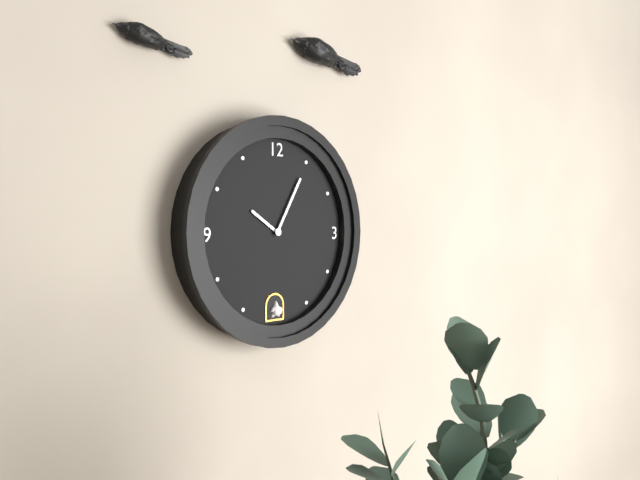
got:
10:05
